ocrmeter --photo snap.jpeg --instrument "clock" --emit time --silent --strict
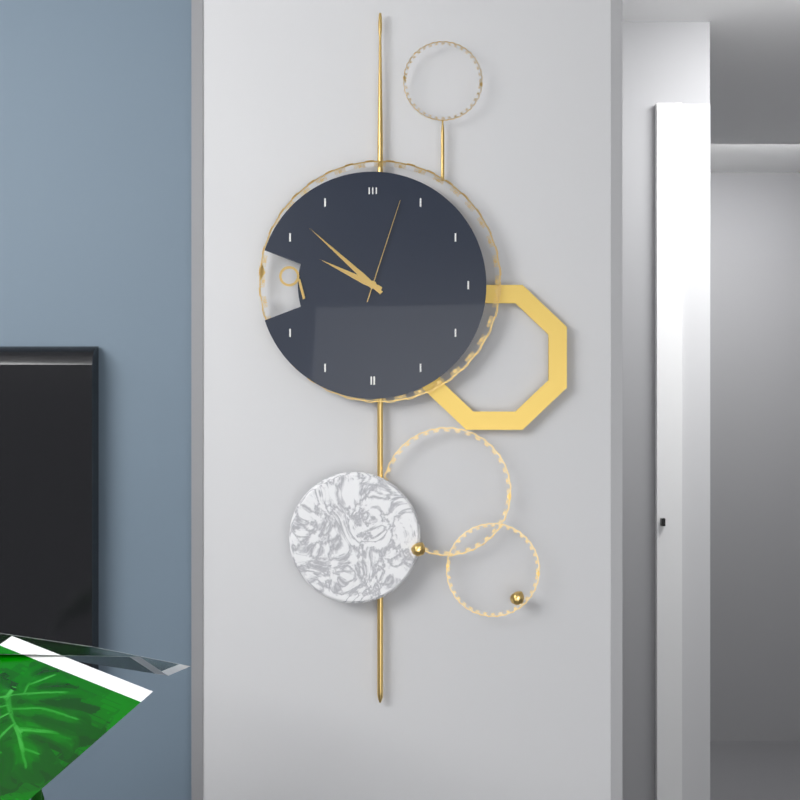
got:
9:52:03
